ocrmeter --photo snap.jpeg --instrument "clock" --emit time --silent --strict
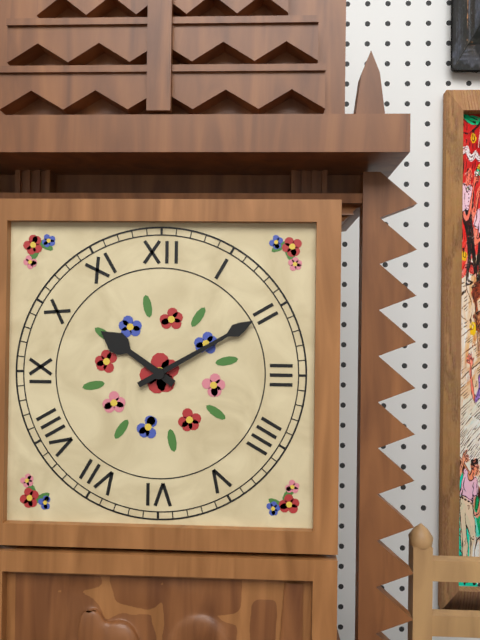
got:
10:10
